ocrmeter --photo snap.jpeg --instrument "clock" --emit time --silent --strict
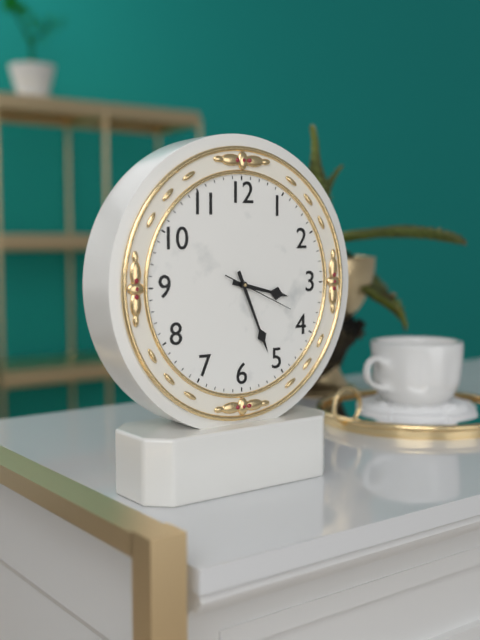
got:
3:26:19
